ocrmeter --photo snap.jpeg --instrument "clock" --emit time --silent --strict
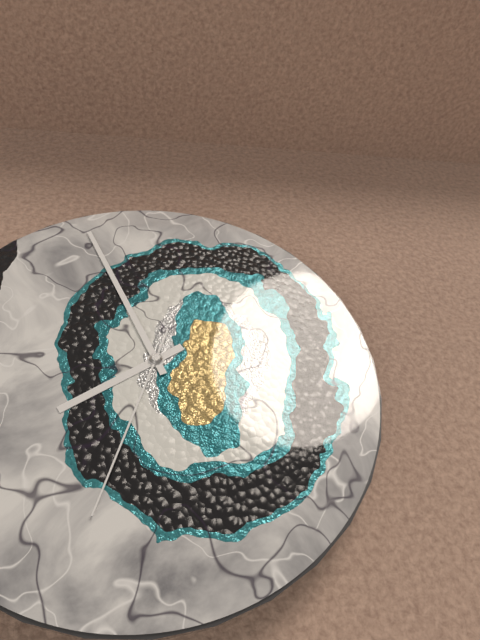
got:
7:56:33
